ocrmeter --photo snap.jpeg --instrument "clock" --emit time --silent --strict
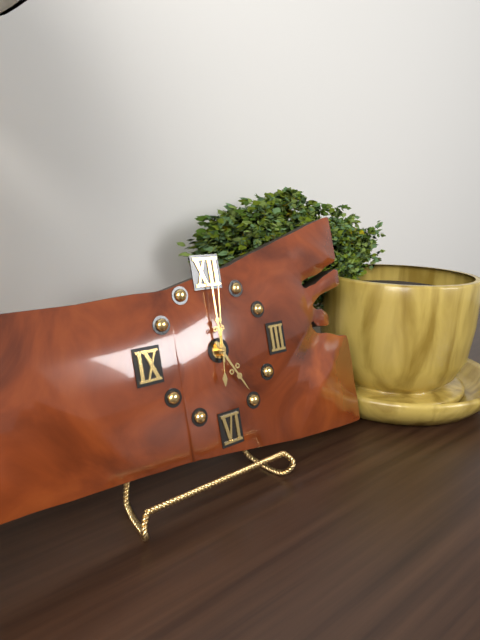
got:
5:00:01
